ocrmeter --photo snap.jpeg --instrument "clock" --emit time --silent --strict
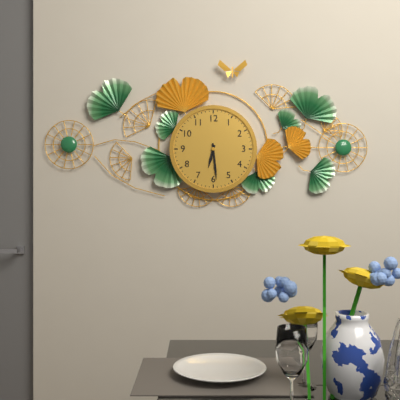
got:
6:29
